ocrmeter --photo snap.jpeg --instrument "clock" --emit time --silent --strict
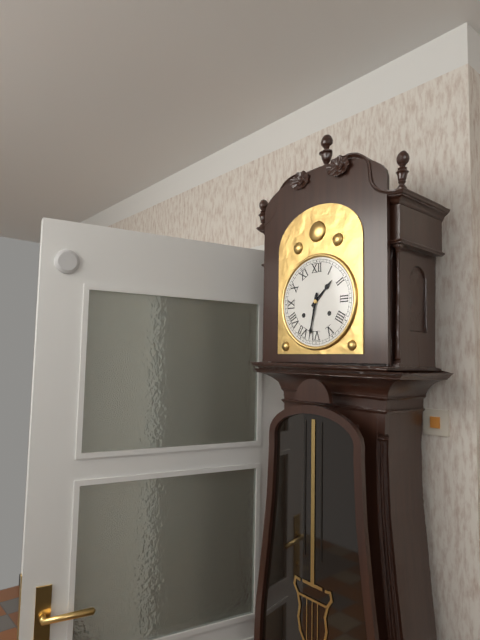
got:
1:32
